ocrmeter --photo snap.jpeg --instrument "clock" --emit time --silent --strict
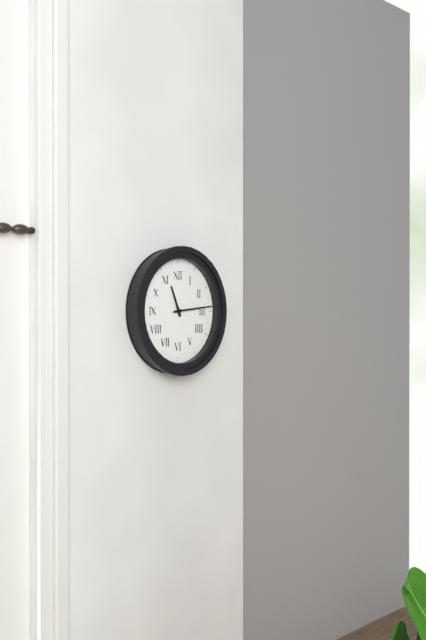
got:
11:14
